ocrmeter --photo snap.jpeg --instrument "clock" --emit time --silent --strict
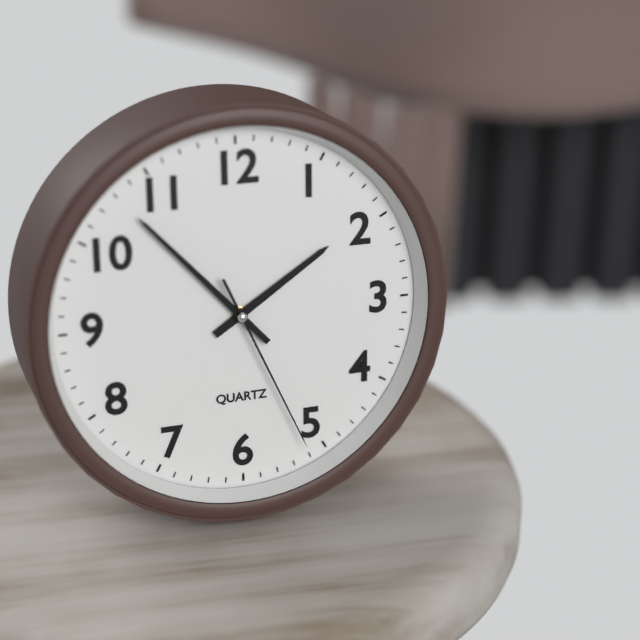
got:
1:53:26
